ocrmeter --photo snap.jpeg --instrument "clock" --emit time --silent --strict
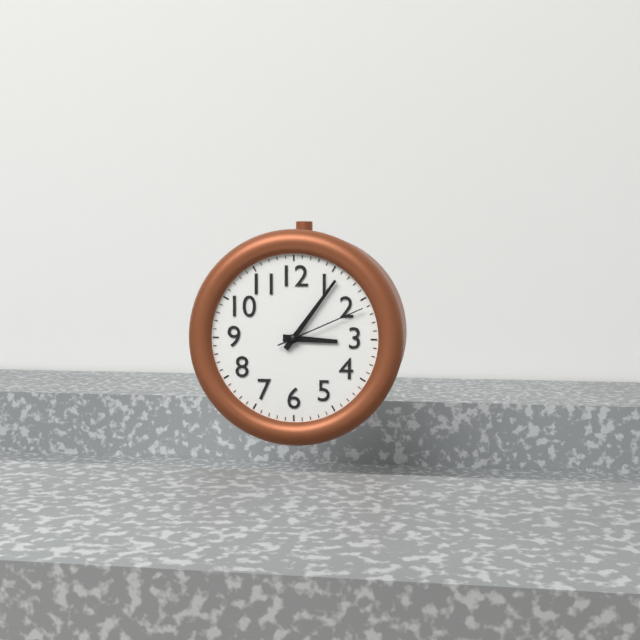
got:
3:06:11
